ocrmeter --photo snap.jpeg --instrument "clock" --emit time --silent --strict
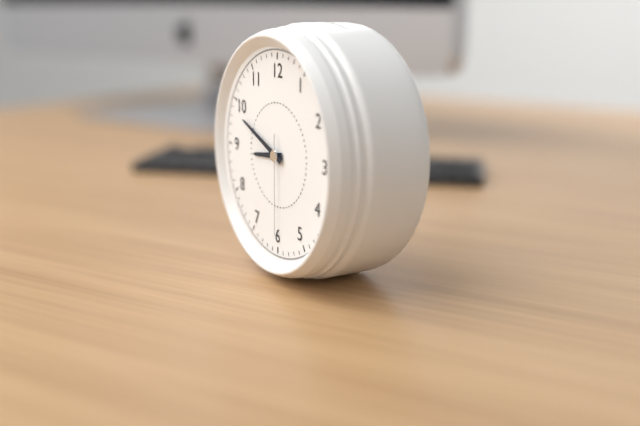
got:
8:49:30
